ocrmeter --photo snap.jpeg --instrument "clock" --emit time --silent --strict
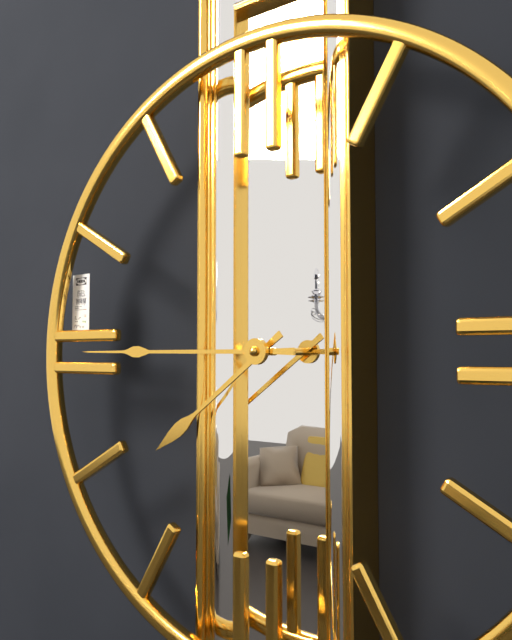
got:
7:45
